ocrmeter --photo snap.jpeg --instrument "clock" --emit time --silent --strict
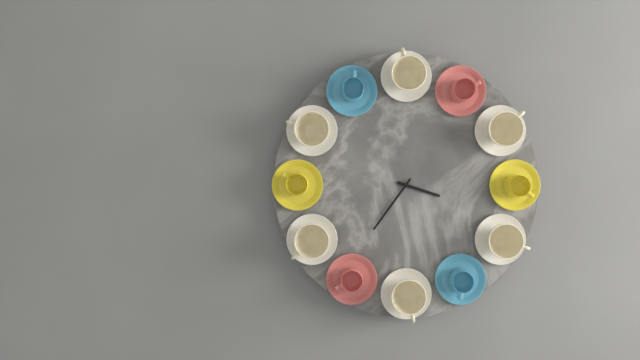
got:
3:36
